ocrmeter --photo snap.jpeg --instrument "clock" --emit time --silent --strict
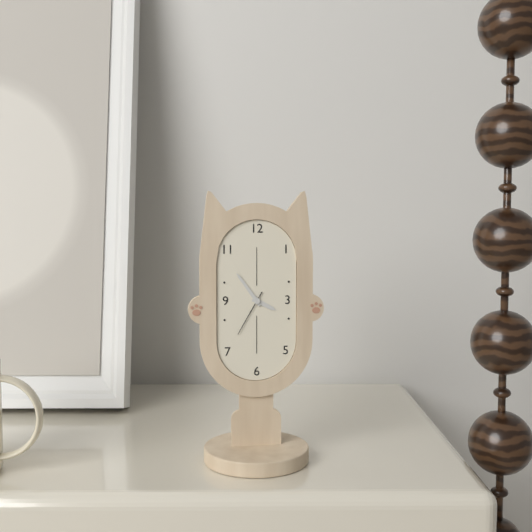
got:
3:54
